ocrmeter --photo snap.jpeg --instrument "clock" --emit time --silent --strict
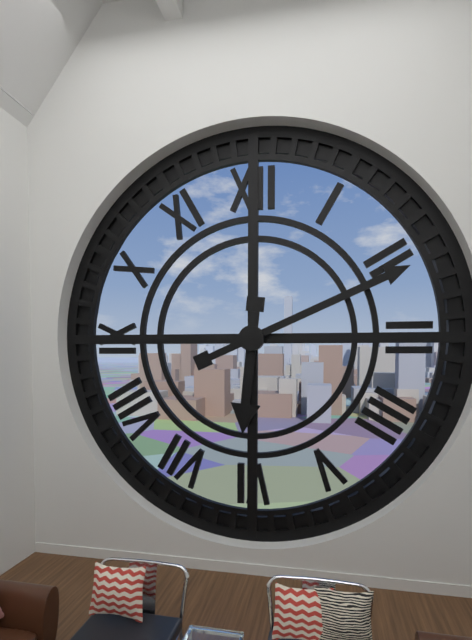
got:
6:11
